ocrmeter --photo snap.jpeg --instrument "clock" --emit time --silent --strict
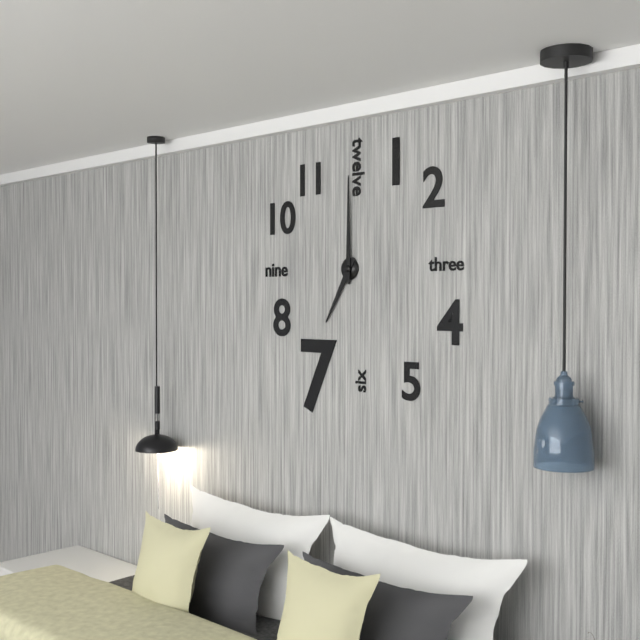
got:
7:00
